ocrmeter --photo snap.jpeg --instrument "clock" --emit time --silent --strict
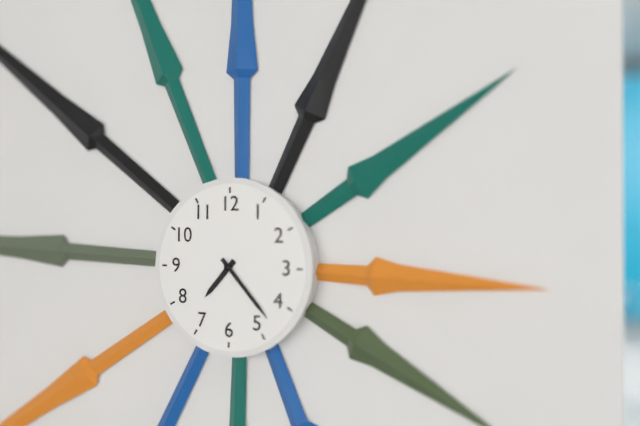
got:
7:23
